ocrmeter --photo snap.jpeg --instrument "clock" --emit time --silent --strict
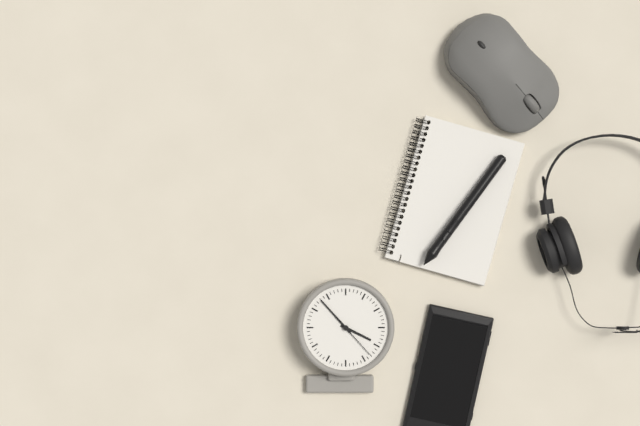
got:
3:53
